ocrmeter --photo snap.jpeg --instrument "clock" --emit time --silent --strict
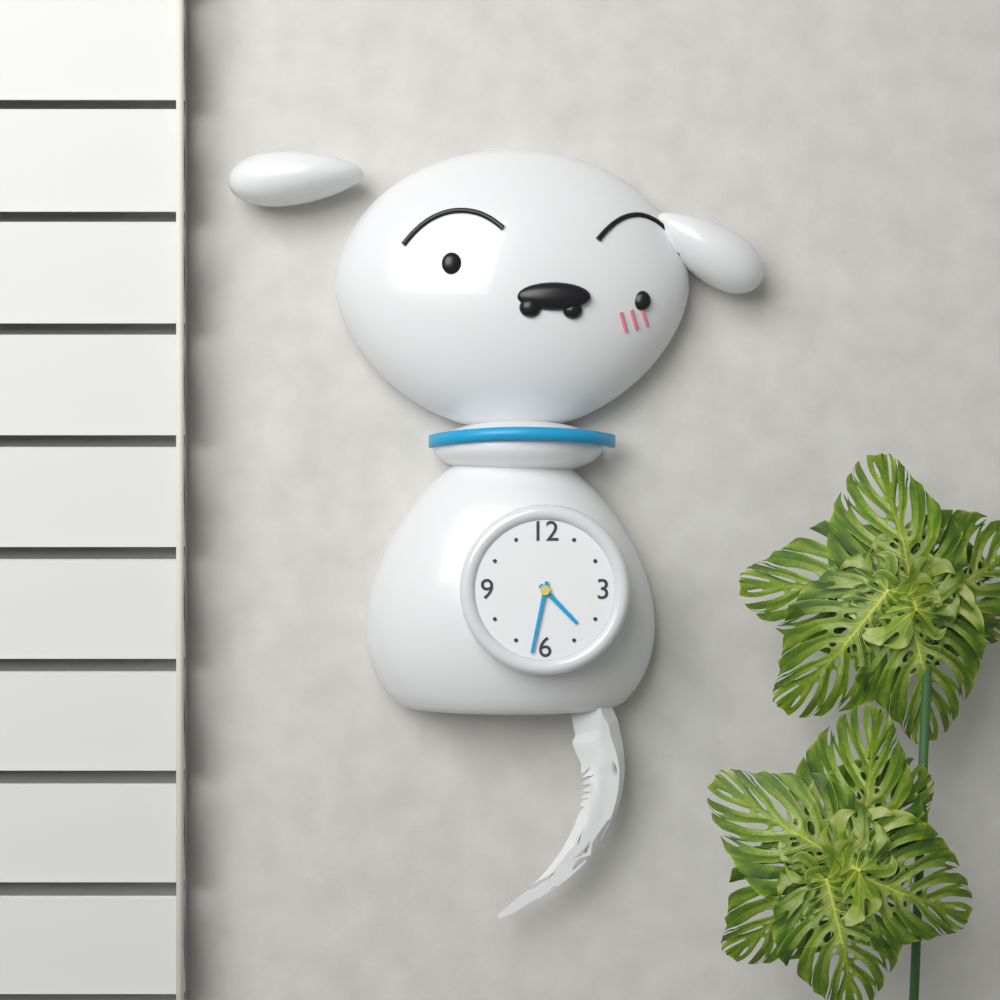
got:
4:32
